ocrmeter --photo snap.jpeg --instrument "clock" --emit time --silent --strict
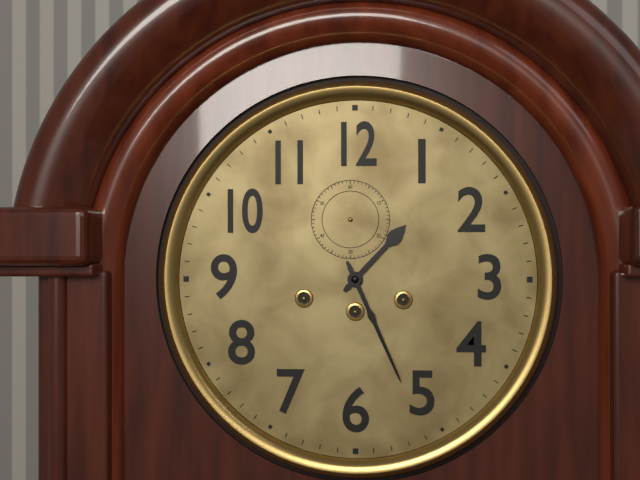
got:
1:26
